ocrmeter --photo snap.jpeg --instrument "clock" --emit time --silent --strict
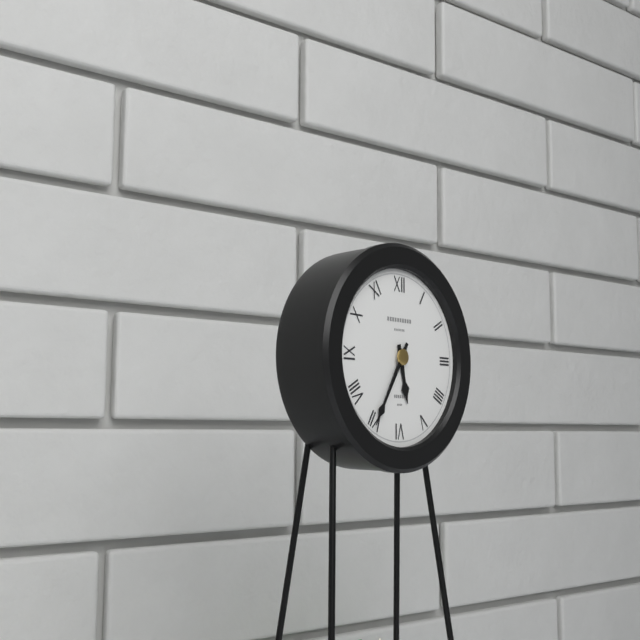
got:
5:35
